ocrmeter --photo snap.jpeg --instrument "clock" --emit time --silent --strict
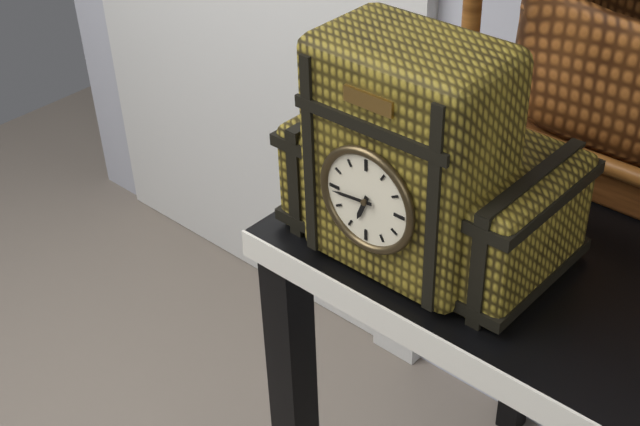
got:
6:44
